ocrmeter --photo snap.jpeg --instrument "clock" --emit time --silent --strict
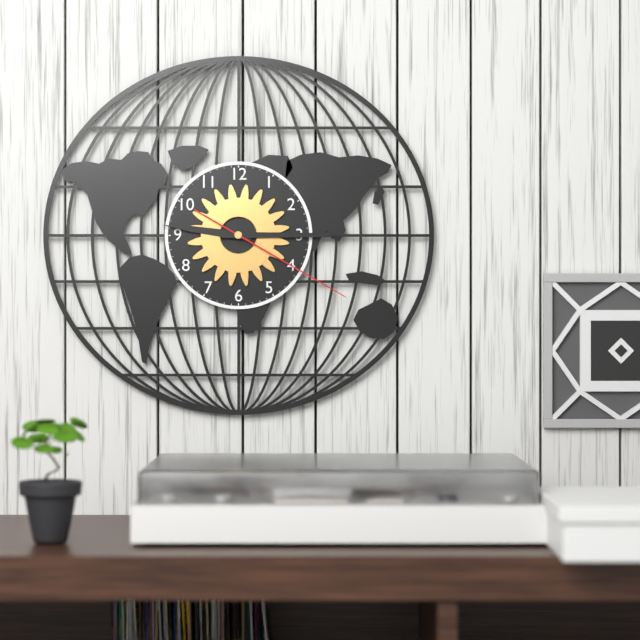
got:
9:15:20
